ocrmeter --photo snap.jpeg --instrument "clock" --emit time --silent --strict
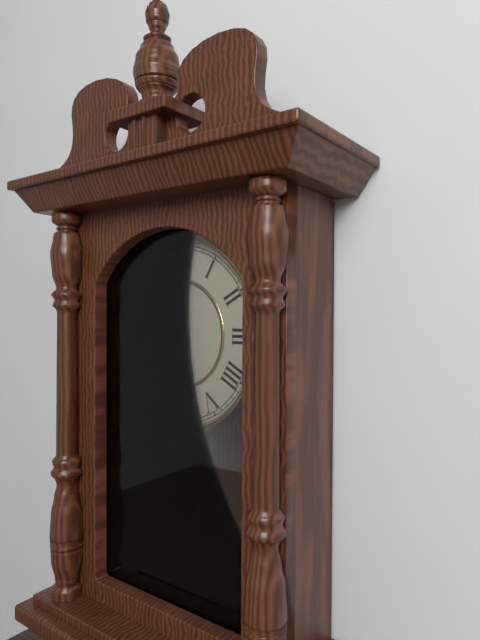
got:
10:59
